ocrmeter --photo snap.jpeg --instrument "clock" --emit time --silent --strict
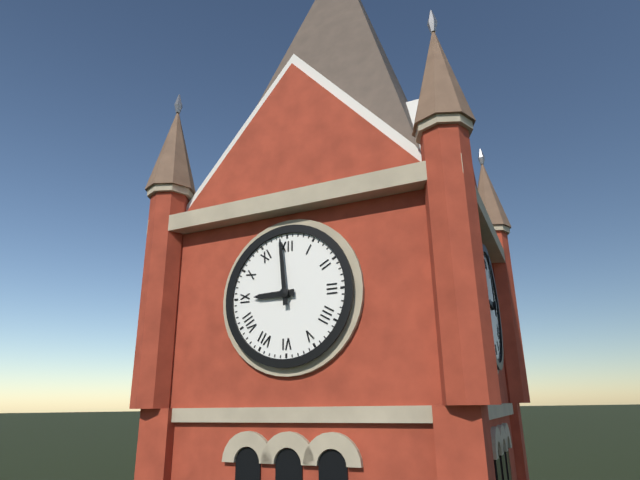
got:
8:59
